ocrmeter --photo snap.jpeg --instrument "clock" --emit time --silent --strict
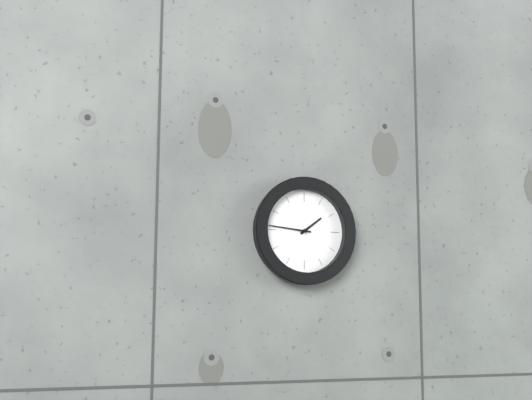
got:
1:46
